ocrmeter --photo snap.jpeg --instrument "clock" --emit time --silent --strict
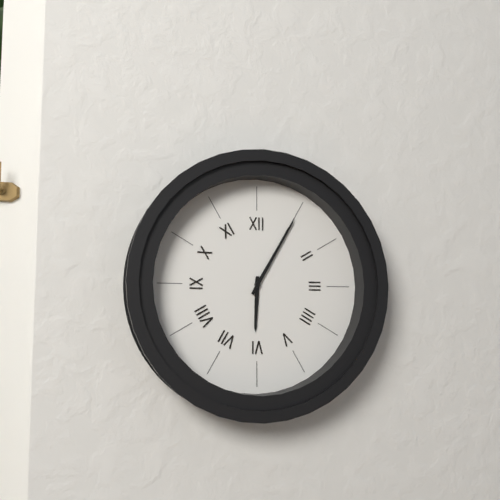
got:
6:05
